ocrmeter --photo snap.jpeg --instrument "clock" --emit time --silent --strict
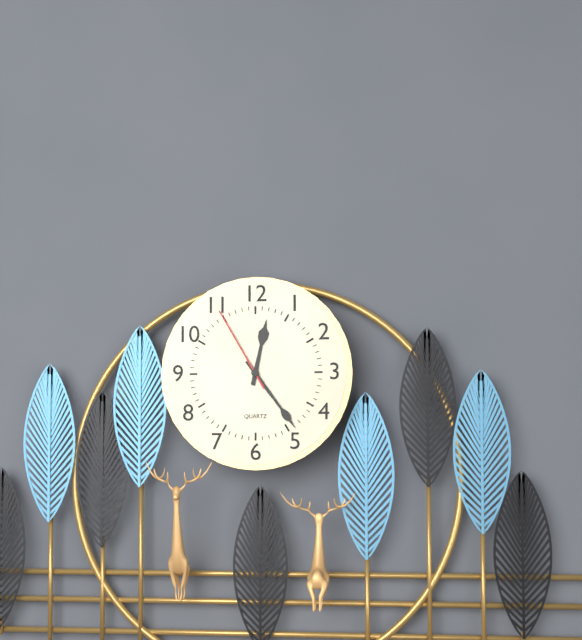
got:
12:24:55
